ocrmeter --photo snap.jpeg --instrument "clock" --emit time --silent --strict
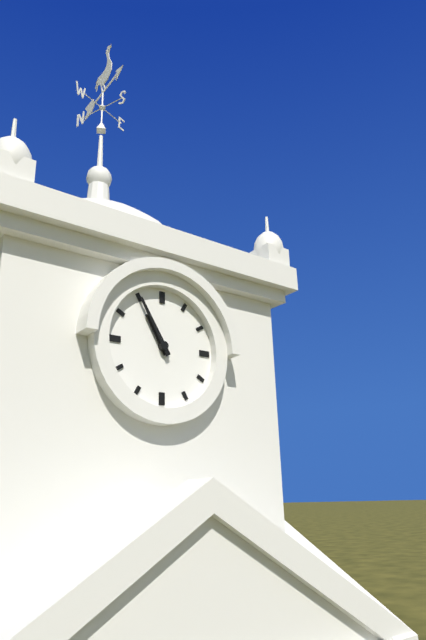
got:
10:55
